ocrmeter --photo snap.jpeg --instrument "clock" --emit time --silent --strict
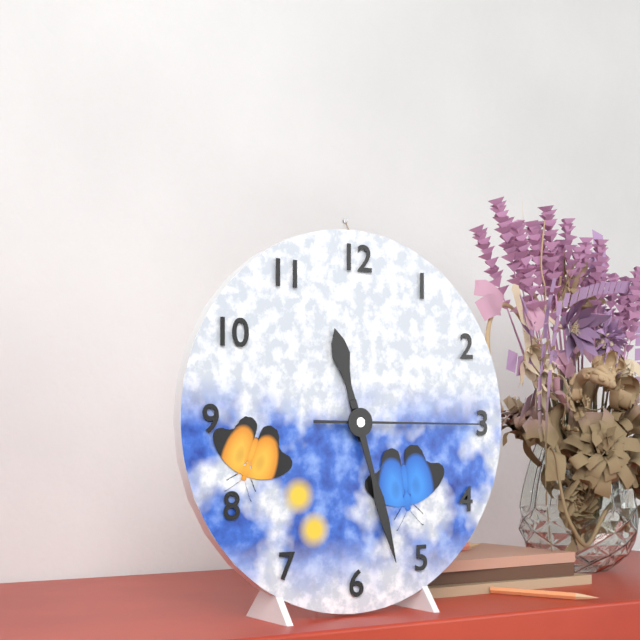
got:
11:27:15
